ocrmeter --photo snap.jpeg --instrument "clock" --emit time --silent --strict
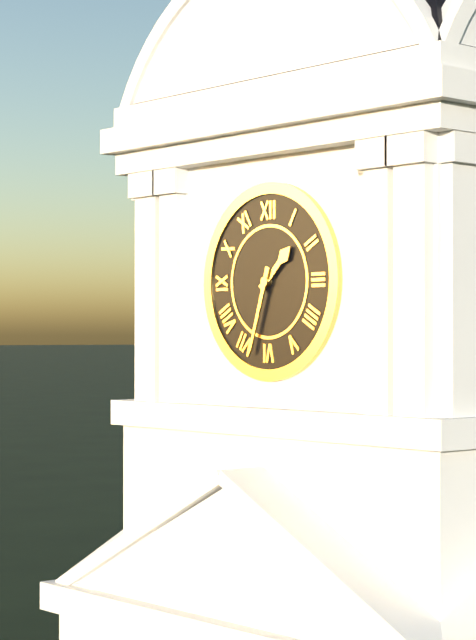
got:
1:33
